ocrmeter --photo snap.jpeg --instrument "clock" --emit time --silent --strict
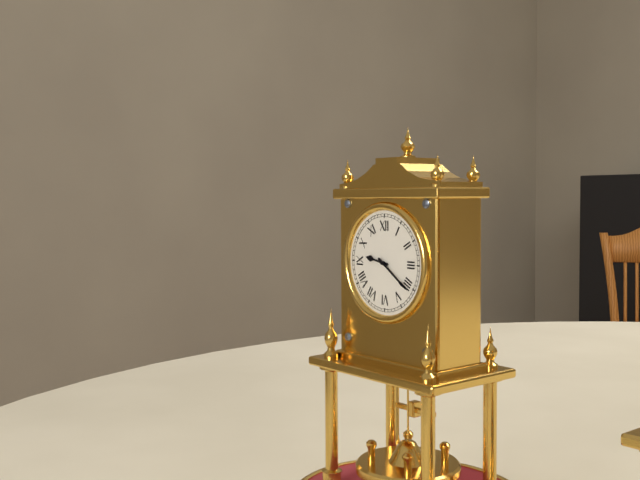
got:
9:21
